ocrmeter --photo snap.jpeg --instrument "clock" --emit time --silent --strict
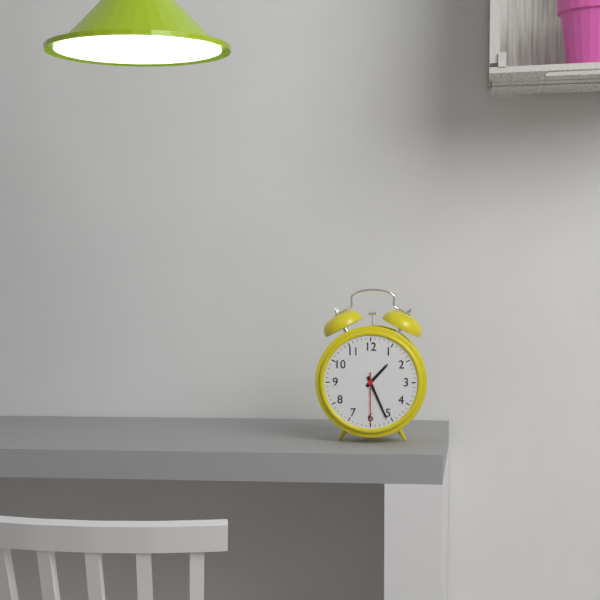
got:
1:26:30
